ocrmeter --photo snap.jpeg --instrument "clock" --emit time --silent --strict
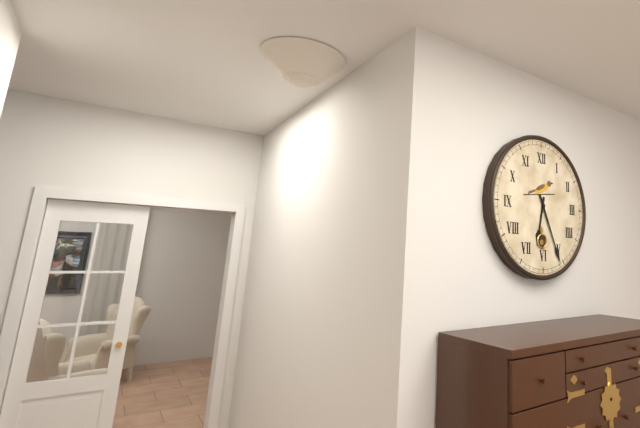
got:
6:26
